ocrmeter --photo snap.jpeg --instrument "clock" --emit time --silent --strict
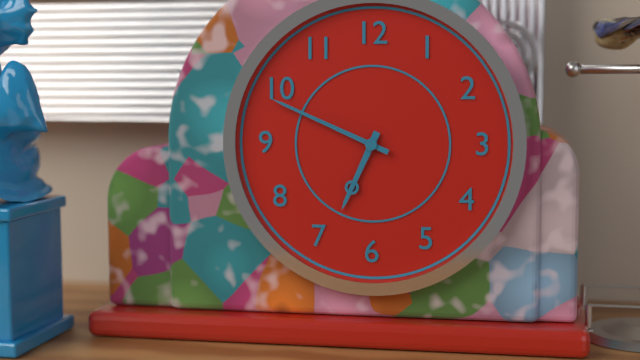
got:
6:49
